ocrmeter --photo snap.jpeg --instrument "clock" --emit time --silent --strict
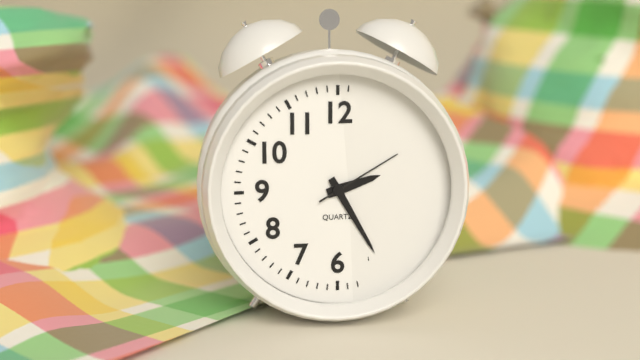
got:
2:25:10
